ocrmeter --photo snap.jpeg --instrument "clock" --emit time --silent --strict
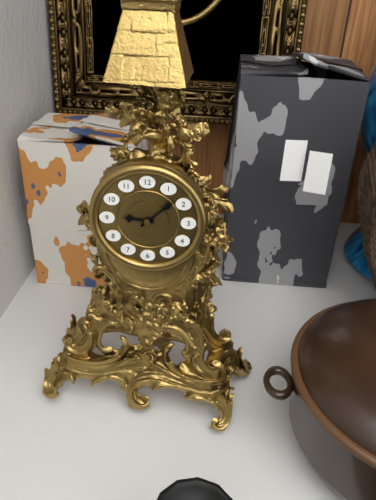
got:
9:08
